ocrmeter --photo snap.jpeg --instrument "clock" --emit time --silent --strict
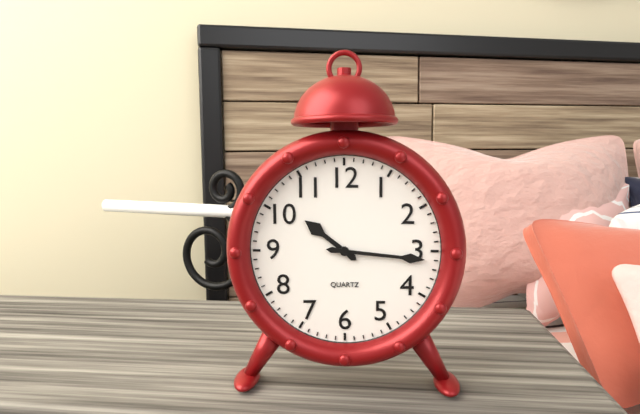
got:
10:16
